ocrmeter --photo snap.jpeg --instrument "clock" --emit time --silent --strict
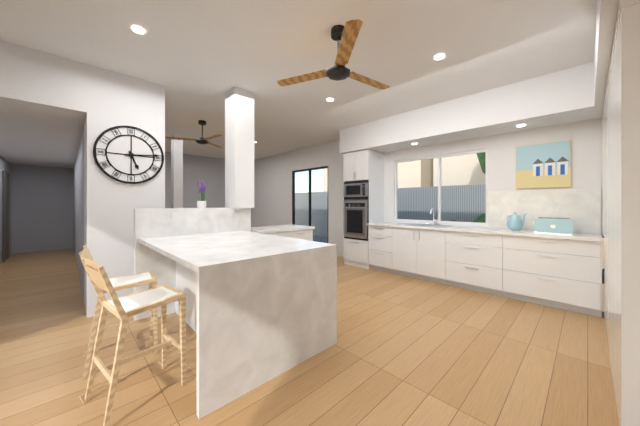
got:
5:14
